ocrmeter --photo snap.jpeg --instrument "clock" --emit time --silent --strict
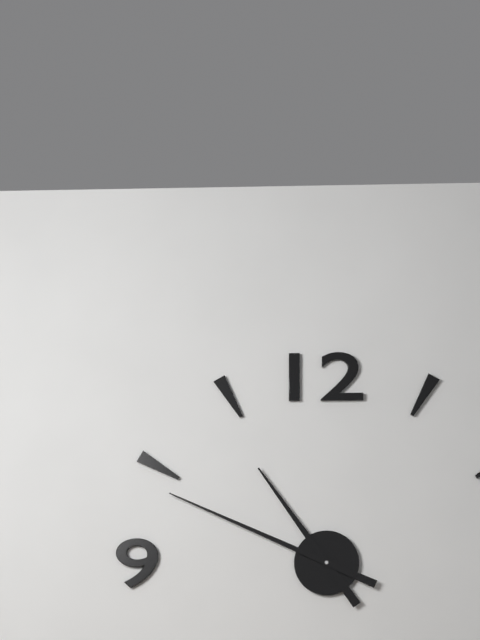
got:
10:49
